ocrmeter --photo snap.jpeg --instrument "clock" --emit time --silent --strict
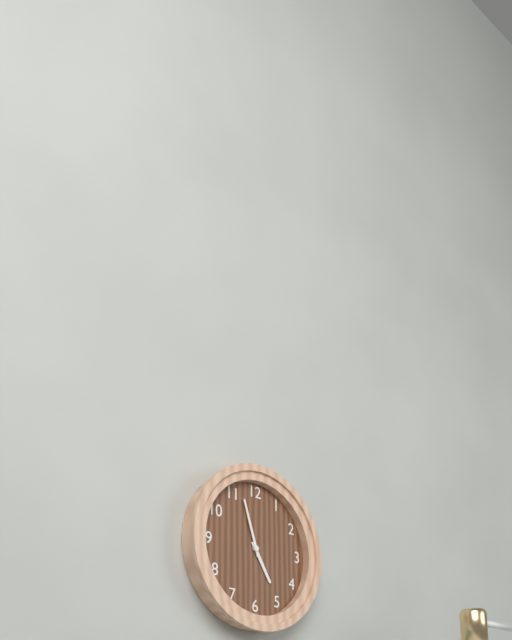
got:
4:57
